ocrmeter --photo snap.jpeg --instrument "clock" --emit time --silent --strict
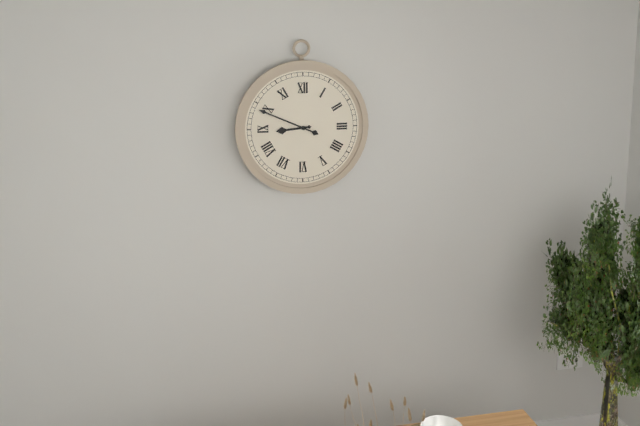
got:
8:49
